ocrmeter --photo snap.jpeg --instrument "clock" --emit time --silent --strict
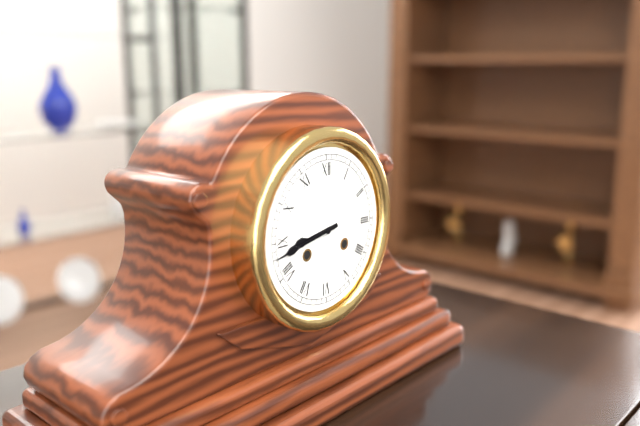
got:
8:43
